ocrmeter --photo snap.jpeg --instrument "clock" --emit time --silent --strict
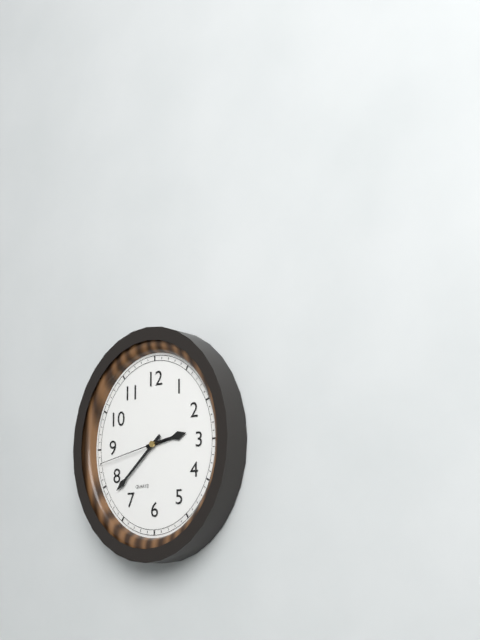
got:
2:38:43
